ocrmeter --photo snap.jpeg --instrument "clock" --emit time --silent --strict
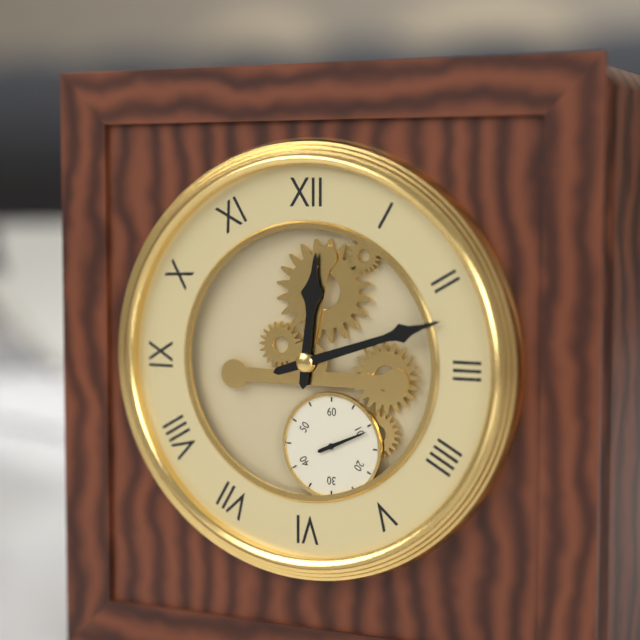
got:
12:12
